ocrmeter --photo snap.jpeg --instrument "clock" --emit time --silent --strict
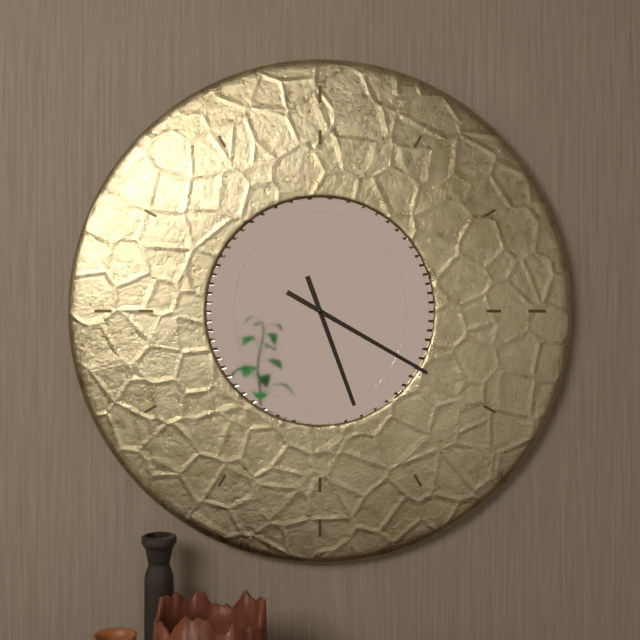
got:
5:20
